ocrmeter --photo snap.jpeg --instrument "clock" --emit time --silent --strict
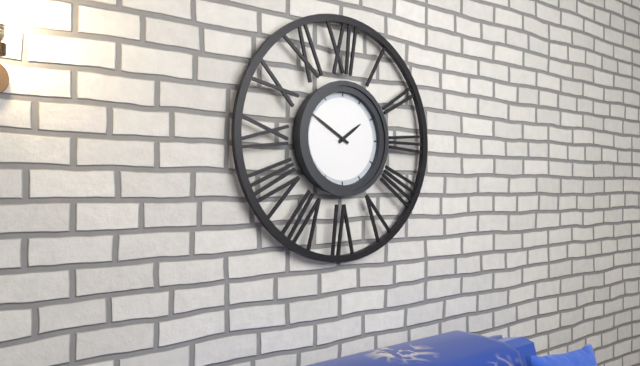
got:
1:50
